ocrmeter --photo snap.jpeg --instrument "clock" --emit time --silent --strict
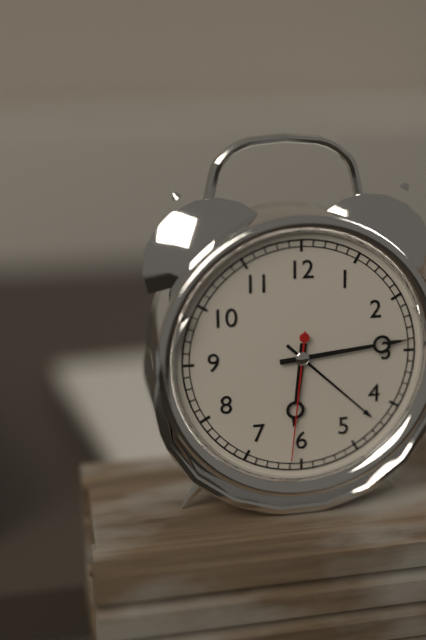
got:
6:14:31
